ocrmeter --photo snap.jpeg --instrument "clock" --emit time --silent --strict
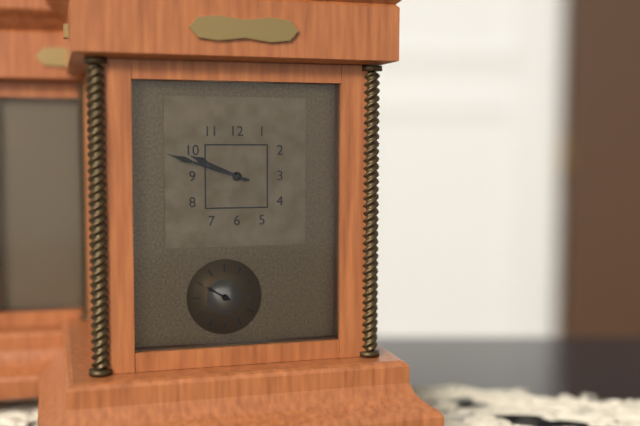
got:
9:48
